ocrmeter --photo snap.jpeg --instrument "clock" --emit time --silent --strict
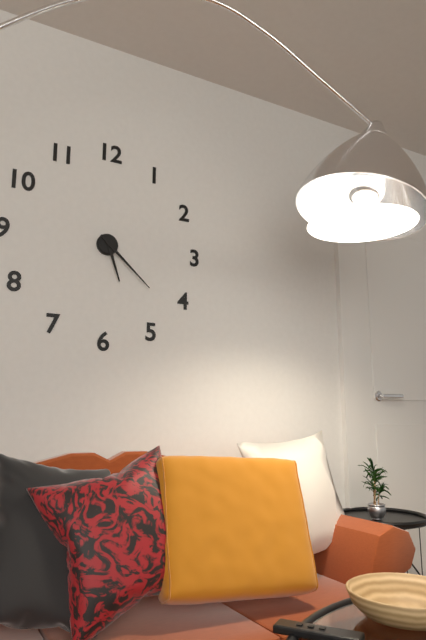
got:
5:22
